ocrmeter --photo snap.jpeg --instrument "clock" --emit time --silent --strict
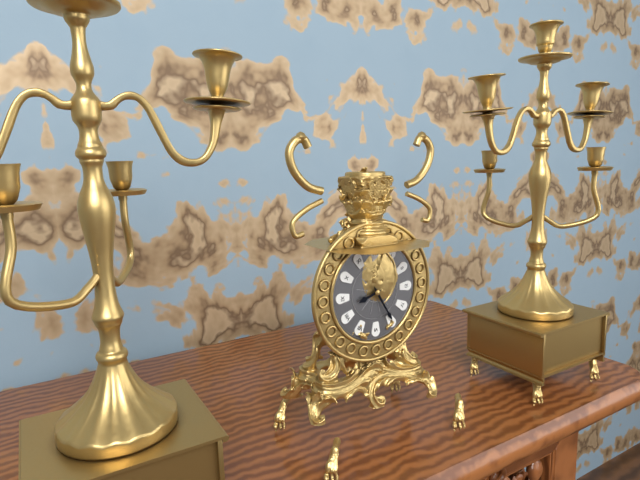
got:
8:25
